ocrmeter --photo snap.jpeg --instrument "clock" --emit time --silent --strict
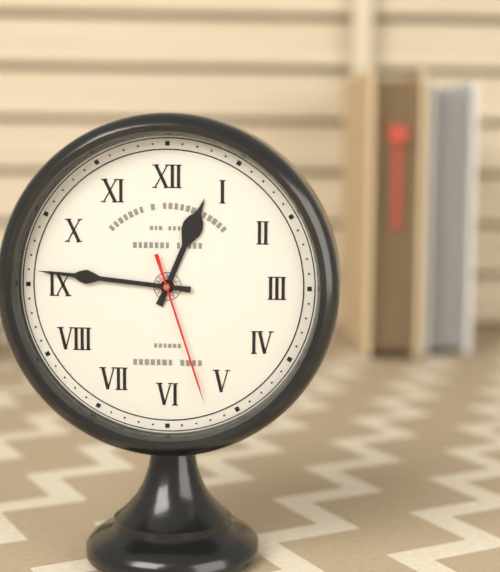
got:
12:46:27
